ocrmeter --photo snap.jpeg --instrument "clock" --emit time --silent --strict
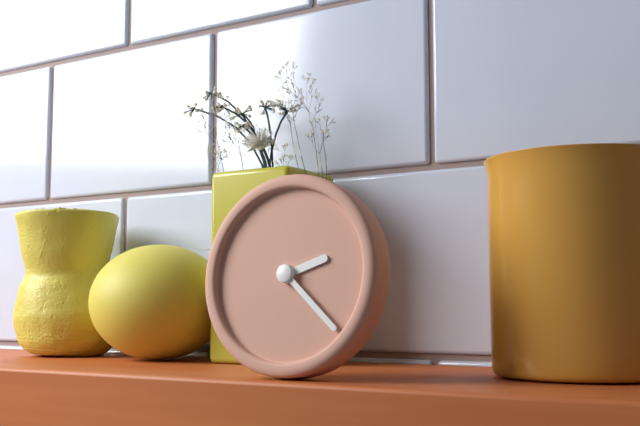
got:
2:22
